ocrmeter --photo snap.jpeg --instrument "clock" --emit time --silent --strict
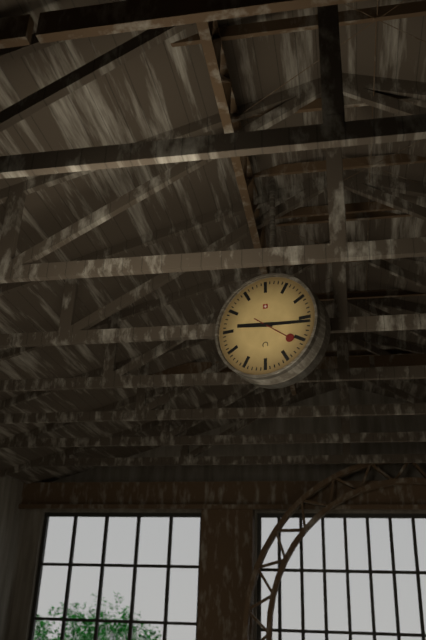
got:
9:16
